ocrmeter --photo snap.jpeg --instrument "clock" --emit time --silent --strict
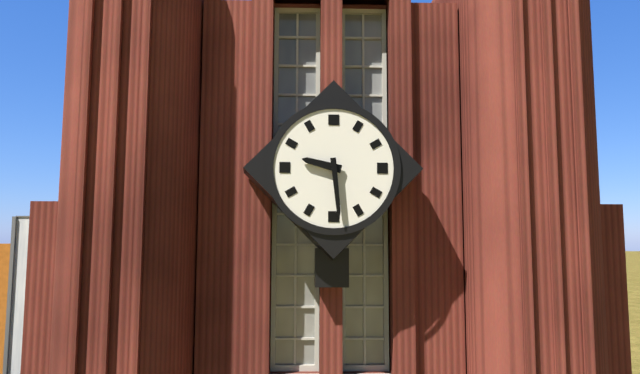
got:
9:29
